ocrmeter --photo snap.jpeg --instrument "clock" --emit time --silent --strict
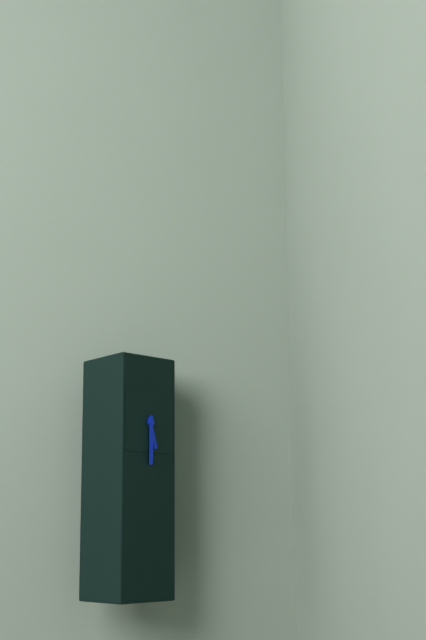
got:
5:30
